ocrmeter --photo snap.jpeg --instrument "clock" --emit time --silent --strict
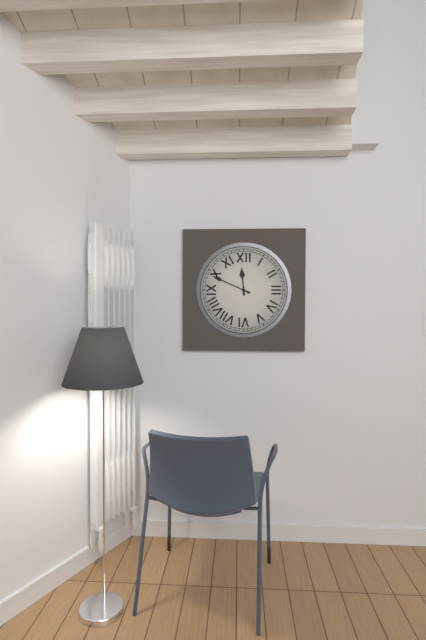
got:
11:49
